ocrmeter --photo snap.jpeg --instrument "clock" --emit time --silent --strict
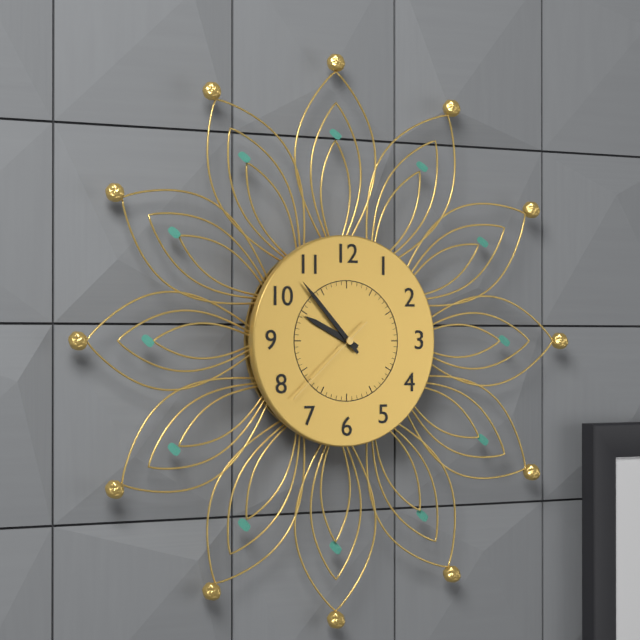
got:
9:53:38
